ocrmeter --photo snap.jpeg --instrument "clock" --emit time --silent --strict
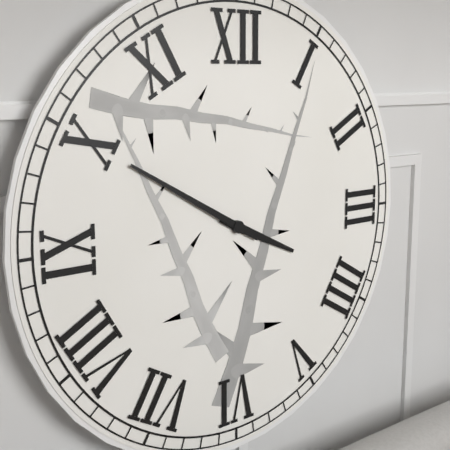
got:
3:50
